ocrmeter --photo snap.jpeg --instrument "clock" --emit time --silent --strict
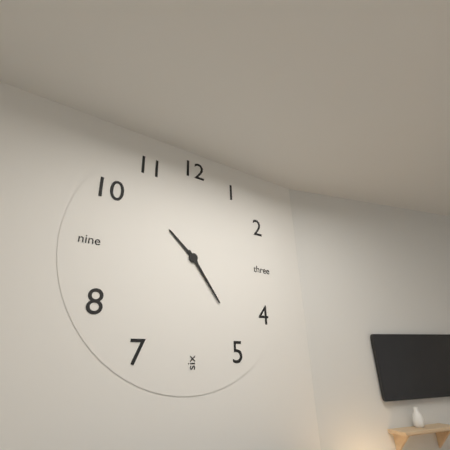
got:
10:24
